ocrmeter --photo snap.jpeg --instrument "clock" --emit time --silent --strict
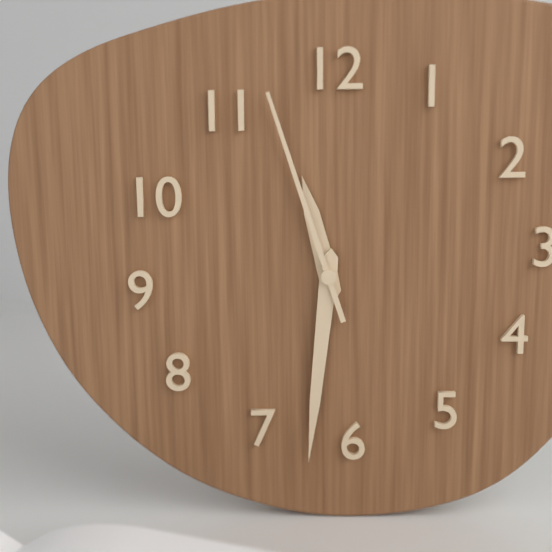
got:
11:31:57
